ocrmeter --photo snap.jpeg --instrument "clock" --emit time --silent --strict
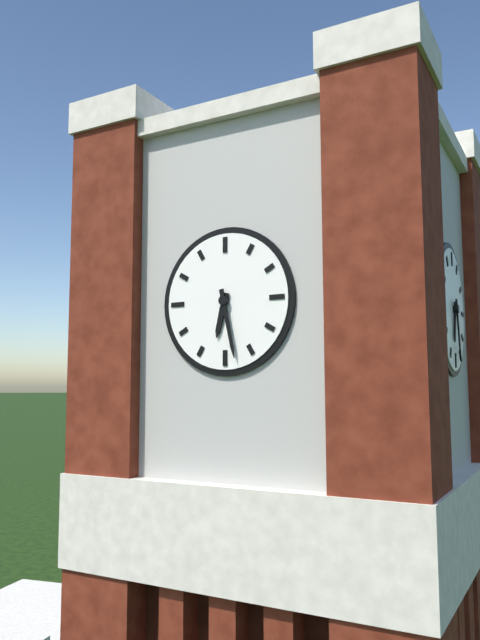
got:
6:28
